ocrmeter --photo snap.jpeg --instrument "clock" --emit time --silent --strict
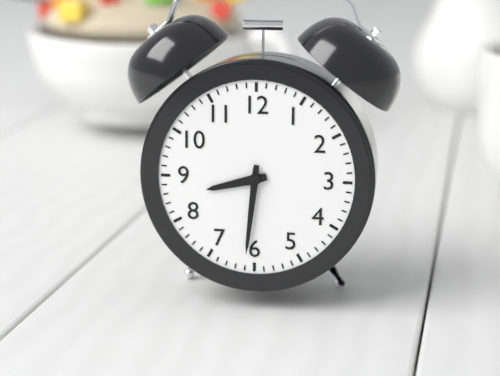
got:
8:31
